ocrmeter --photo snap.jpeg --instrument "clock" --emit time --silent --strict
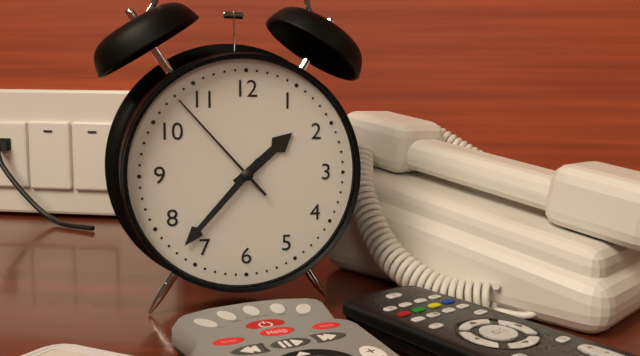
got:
1:37:53
